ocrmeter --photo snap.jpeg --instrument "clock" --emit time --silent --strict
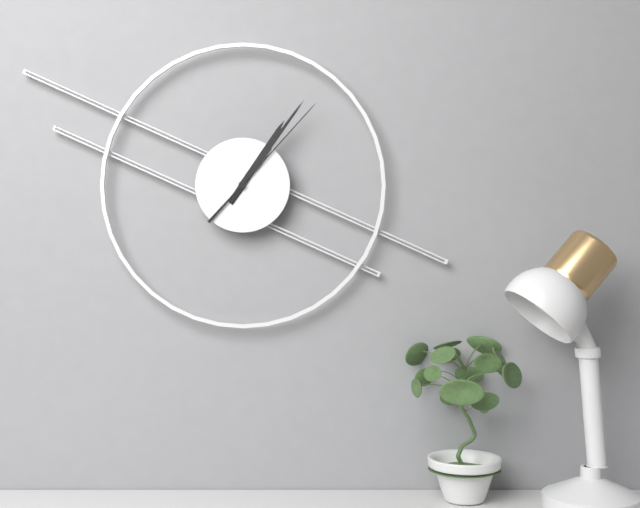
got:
1:06:07
